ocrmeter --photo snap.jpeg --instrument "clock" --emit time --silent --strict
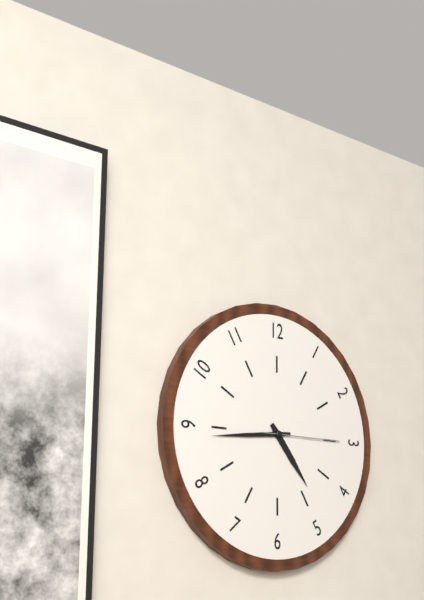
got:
4:44:15
